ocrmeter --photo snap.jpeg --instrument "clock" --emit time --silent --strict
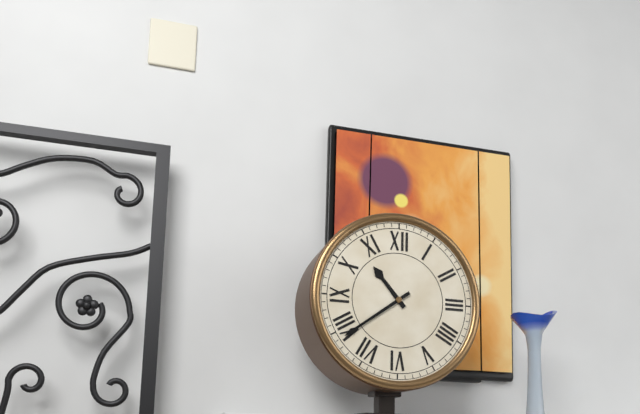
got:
10:39
